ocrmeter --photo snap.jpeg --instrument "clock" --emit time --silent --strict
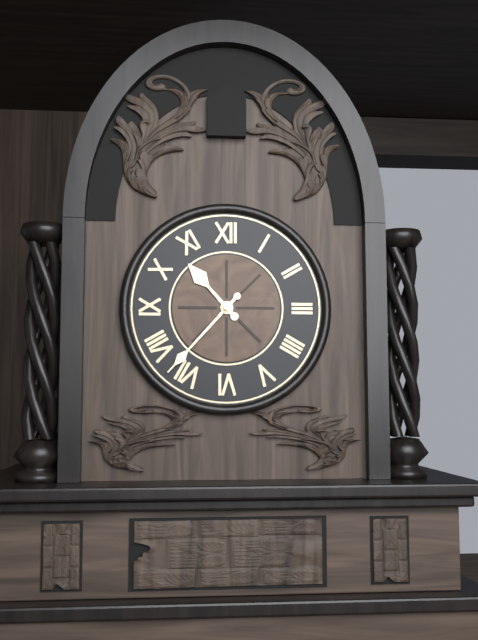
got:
10:37
